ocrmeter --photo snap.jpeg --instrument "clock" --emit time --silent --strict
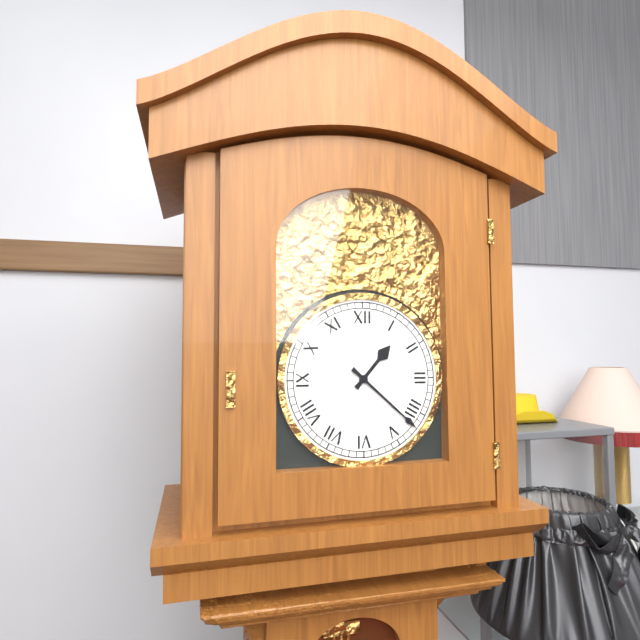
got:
1:22
